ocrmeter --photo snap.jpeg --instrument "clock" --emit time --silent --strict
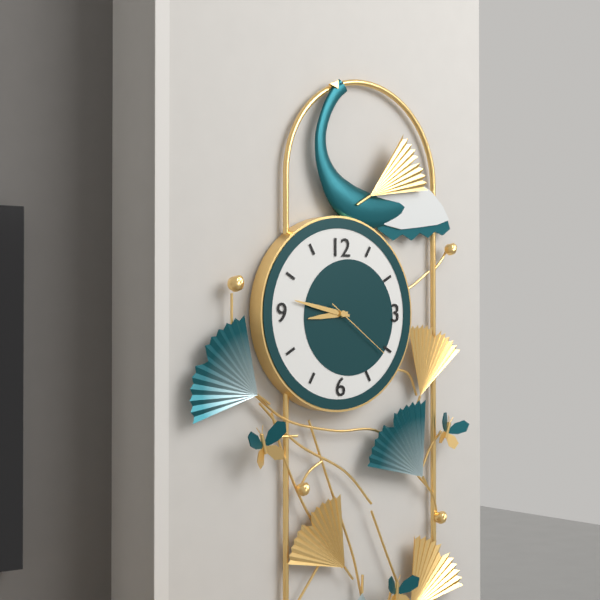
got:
8:47:21
